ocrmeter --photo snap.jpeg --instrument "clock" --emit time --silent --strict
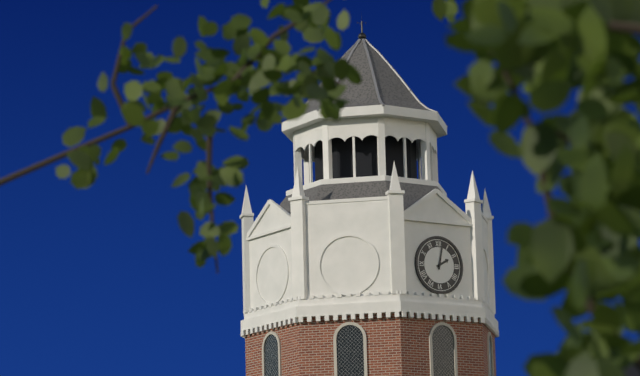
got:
2:02
